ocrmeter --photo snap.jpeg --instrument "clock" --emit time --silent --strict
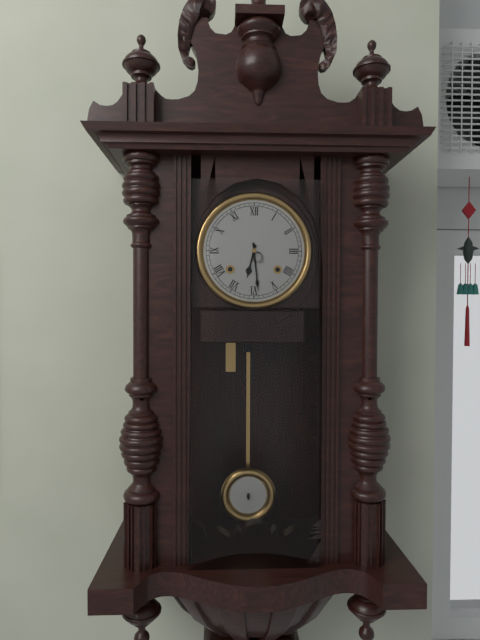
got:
6:29
